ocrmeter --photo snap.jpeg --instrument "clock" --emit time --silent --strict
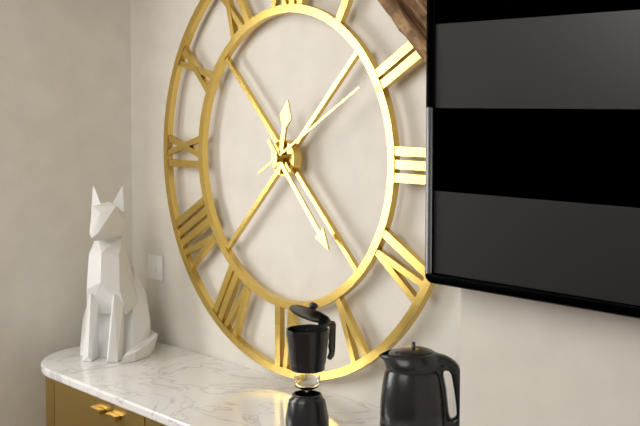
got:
12:23:10
